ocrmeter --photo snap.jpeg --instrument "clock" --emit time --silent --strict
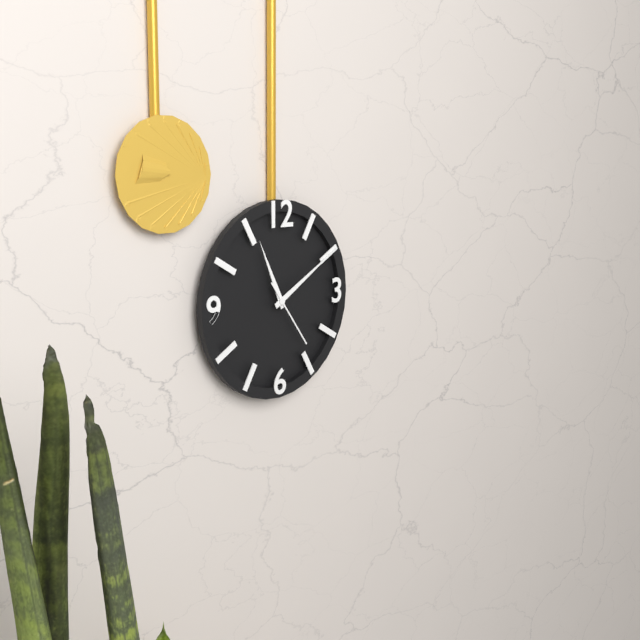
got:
11:10:24
